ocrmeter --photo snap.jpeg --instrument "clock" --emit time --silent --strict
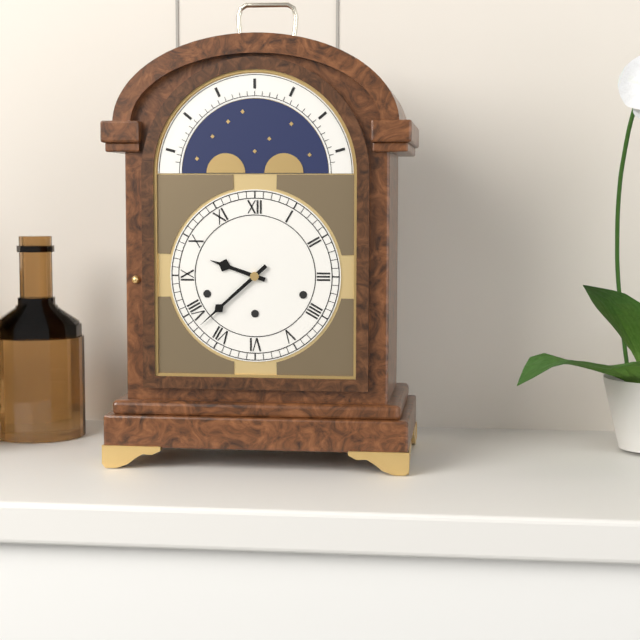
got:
9:38
